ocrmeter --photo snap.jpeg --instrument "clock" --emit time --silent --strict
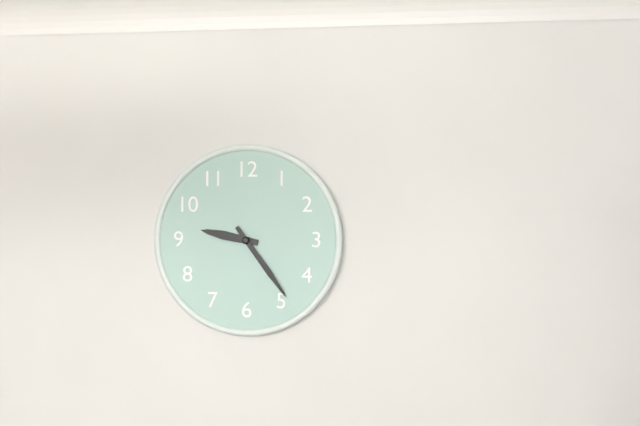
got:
9:24
